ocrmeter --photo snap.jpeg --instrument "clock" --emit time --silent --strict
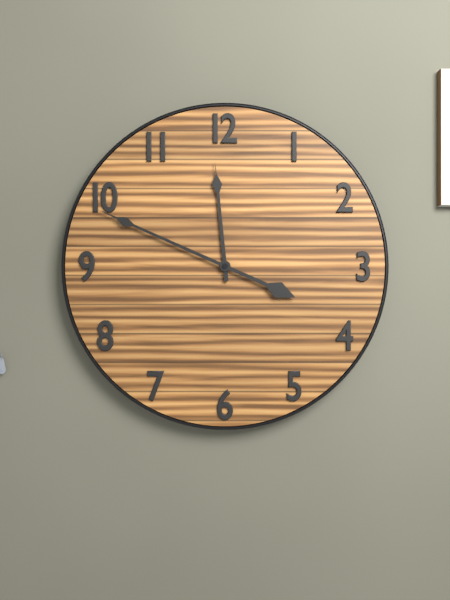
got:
11:49
